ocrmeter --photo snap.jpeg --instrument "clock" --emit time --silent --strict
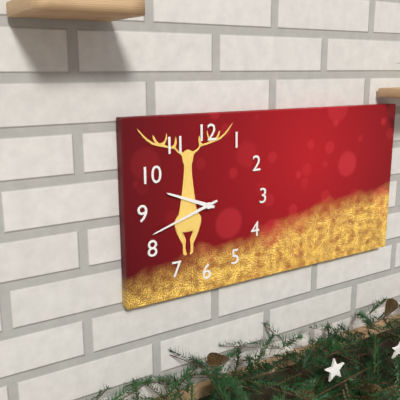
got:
9:42
